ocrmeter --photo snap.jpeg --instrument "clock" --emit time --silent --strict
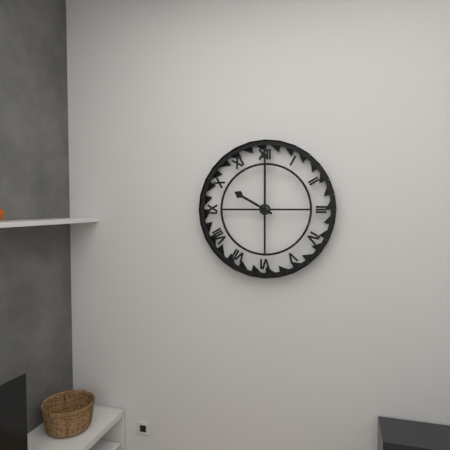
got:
10:00
